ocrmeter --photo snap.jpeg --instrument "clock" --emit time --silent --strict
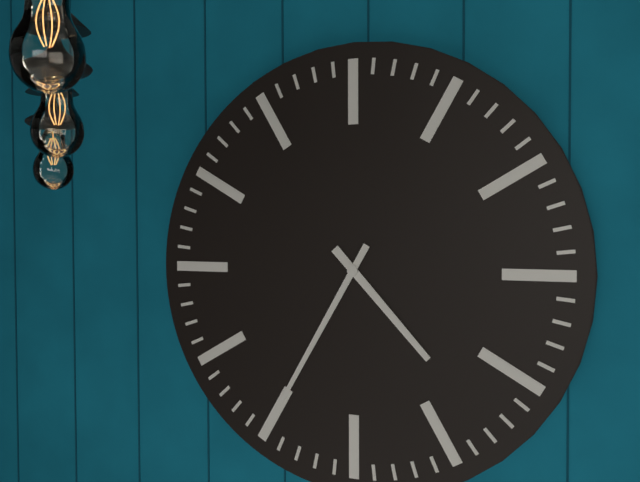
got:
4:35
